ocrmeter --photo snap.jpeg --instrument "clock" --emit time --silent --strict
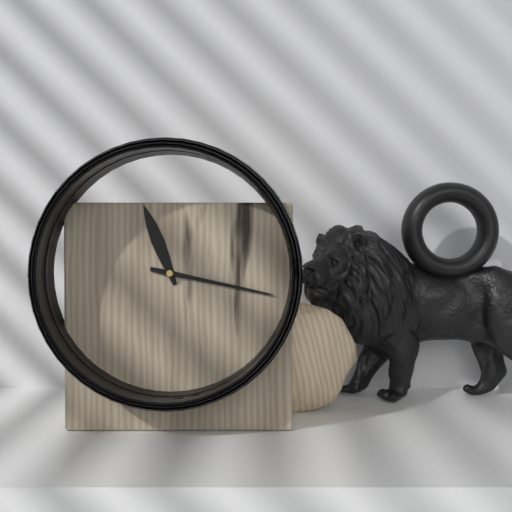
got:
11:17
